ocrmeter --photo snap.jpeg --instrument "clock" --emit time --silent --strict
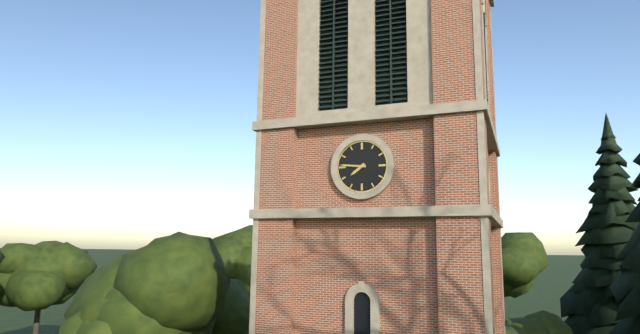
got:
7:46
